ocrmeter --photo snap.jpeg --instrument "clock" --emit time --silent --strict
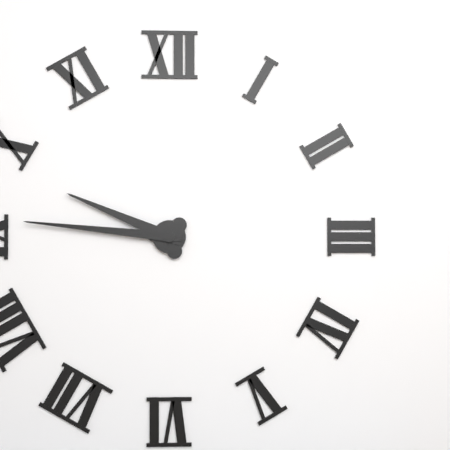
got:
9:46
